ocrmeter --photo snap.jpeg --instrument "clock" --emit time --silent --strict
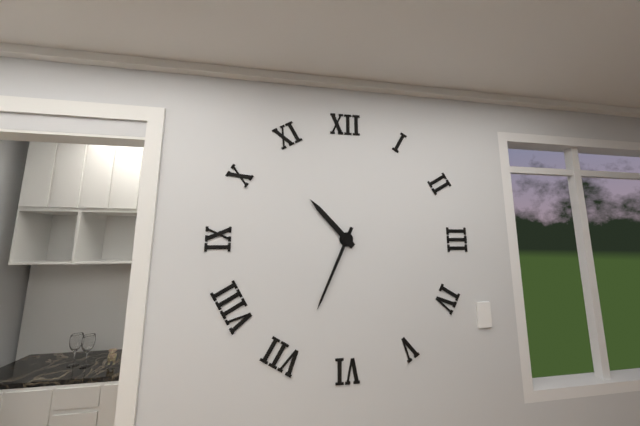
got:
10:34
